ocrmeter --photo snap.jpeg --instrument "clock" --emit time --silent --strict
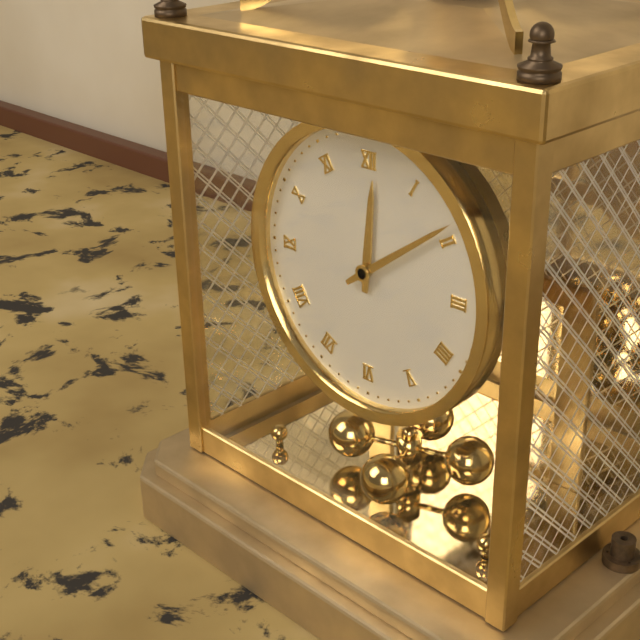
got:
12:09
